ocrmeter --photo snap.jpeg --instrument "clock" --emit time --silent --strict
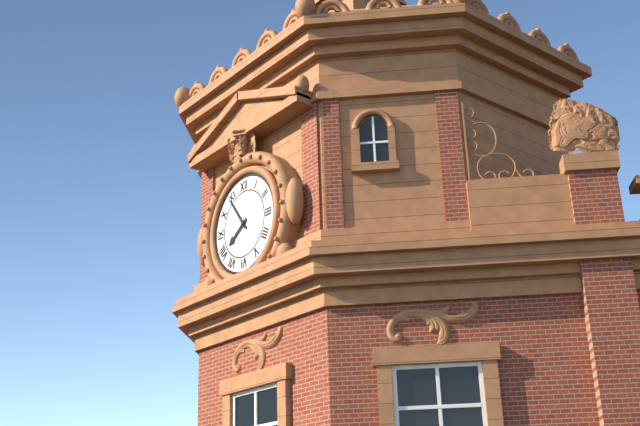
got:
7:54
